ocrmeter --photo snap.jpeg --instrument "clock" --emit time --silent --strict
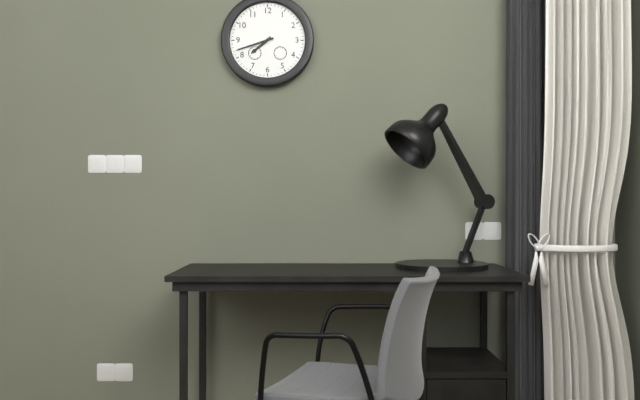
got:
7:42
